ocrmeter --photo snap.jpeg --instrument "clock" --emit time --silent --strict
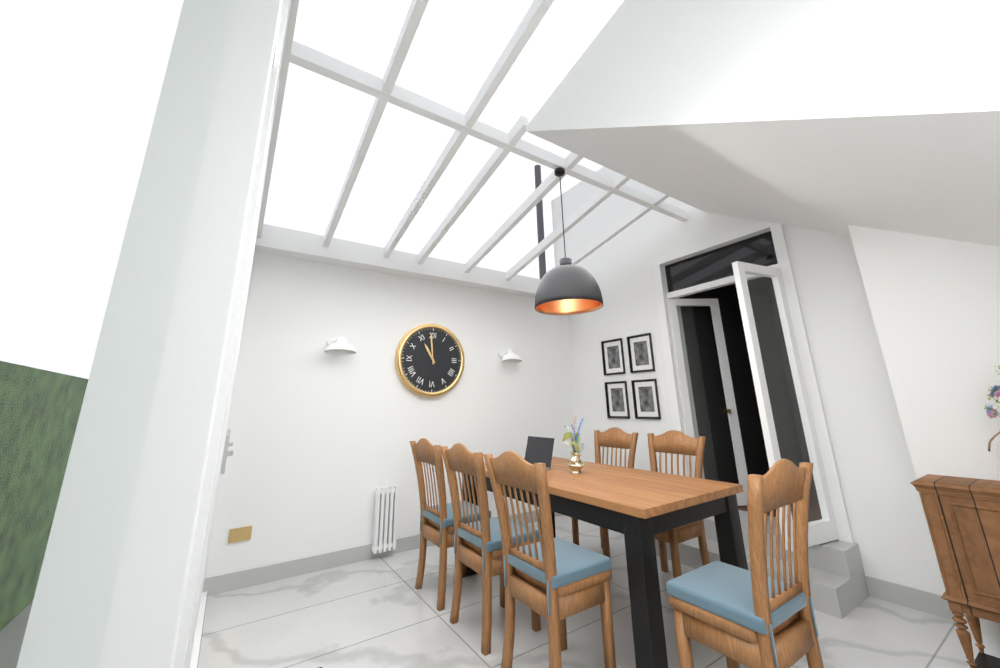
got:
10:59
